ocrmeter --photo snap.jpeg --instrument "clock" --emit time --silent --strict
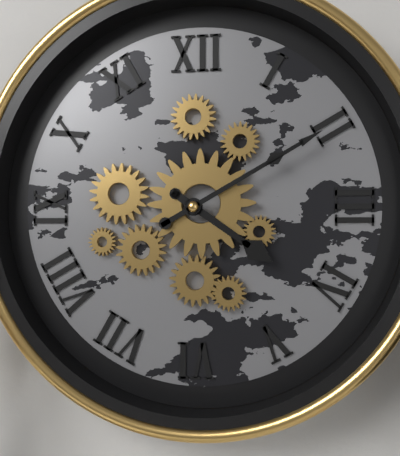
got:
4:10
